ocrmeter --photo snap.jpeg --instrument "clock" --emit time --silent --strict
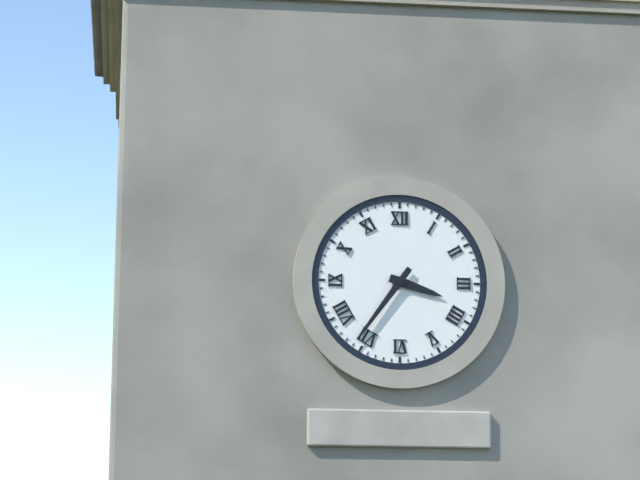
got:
3:36
